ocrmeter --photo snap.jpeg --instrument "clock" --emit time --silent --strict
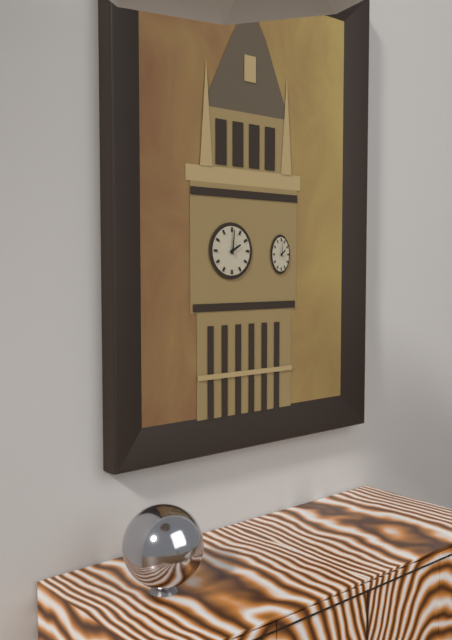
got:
2:01
